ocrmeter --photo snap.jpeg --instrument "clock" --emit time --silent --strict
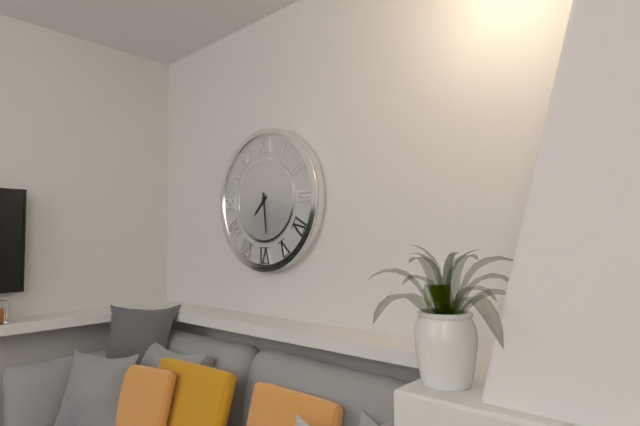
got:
7:29
